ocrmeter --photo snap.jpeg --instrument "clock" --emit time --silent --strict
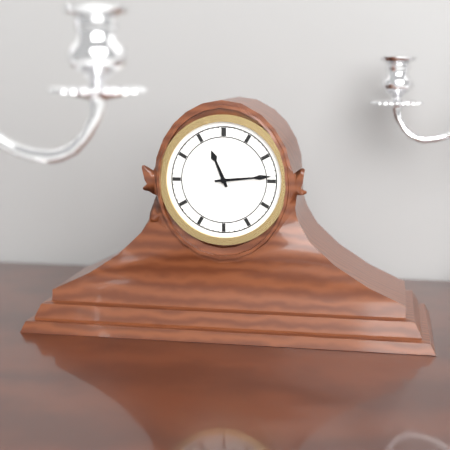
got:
11:14
